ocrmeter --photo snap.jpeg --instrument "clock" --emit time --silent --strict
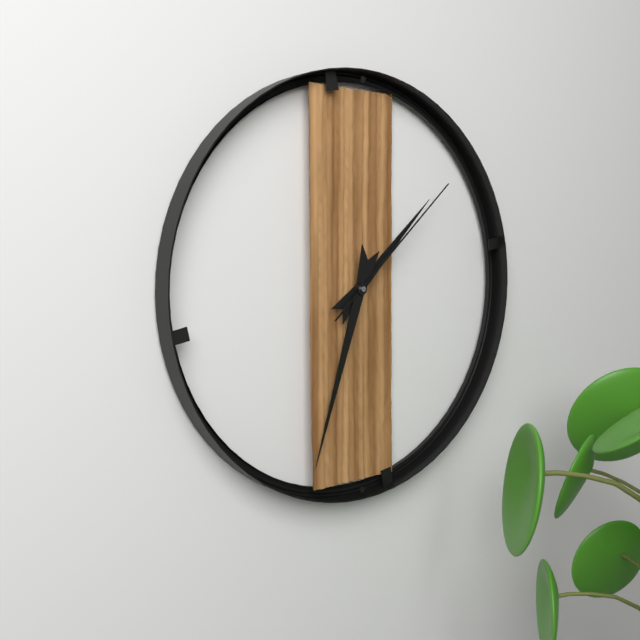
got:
1:33:08
